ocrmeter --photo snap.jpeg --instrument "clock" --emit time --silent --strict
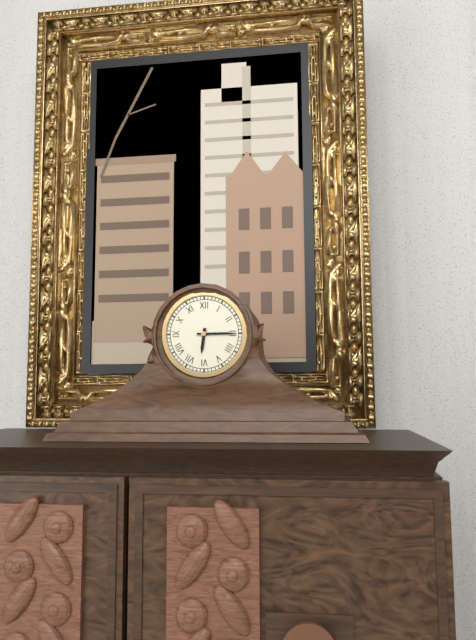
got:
6:15
